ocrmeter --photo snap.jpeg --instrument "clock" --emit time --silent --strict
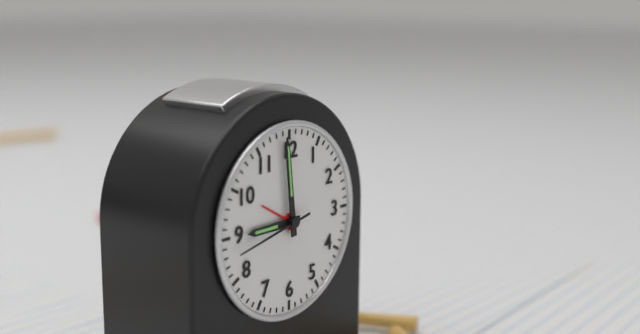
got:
8:59:43
